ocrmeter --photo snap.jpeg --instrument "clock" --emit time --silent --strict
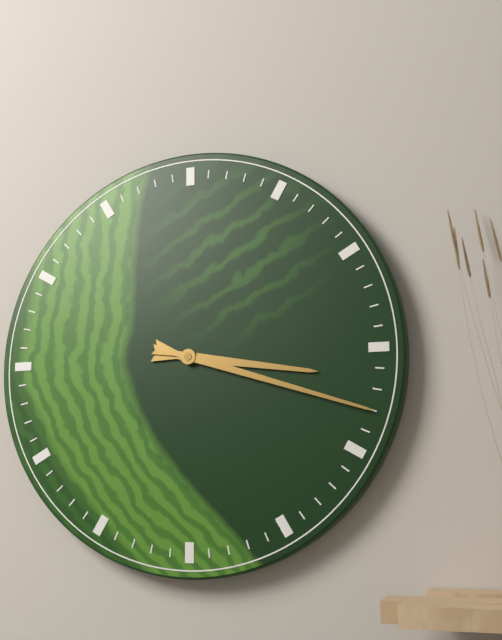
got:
3:18
